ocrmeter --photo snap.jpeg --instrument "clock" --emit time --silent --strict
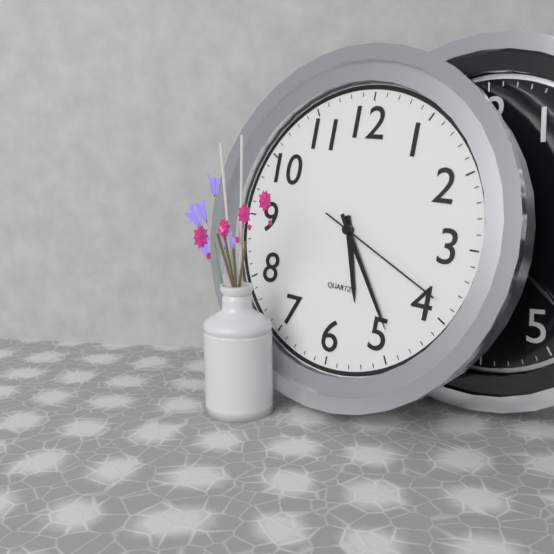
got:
5:24:19
